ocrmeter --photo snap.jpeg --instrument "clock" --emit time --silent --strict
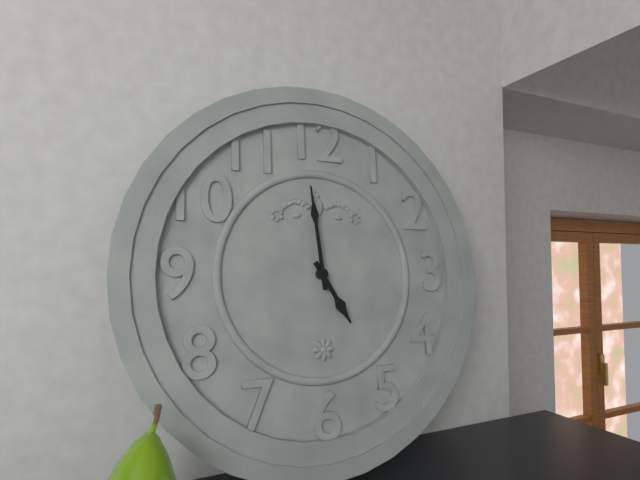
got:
4:59
